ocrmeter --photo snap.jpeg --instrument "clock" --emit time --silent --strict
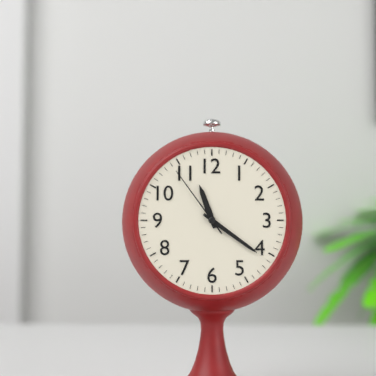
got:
11:21:54
